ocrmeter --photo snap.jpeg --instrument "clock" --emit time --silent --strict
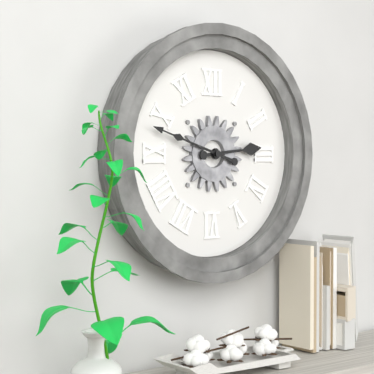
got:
2:48
